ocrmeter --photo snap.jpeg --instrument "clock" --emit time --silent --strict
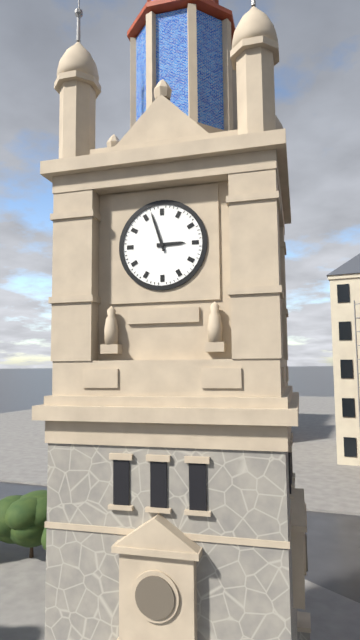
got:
2:57
